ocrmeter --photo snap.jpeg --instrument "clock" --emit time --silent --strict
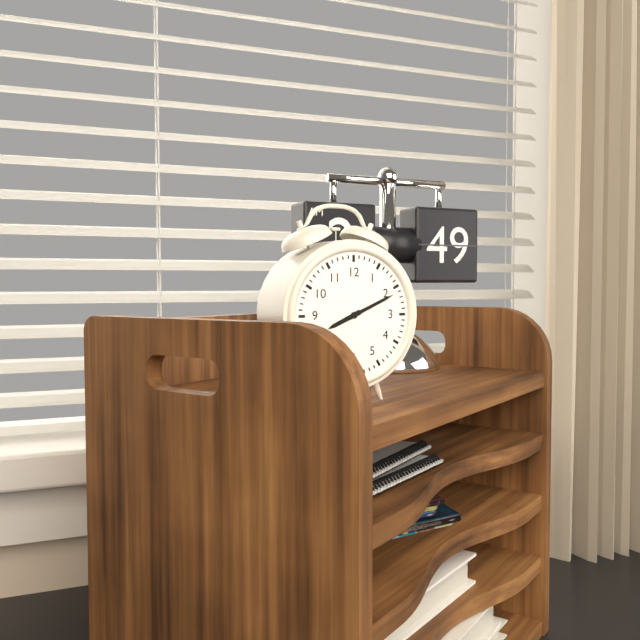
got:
8:11
